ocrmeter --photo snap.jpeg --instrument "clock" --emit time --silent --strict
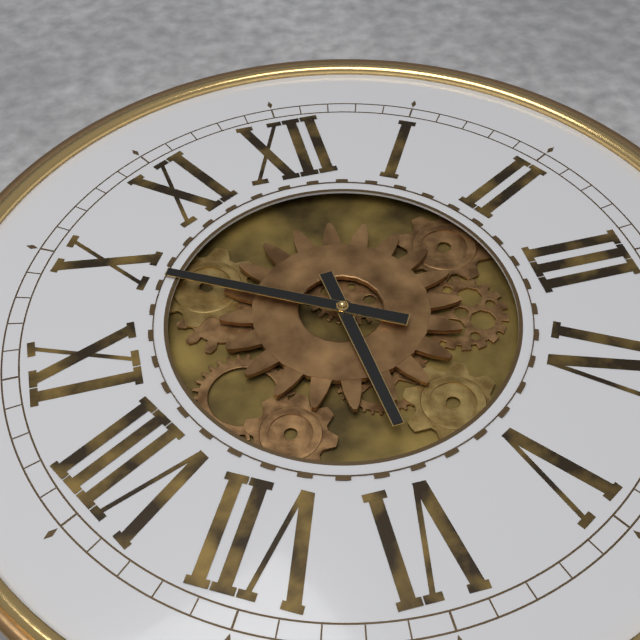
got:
5:50
